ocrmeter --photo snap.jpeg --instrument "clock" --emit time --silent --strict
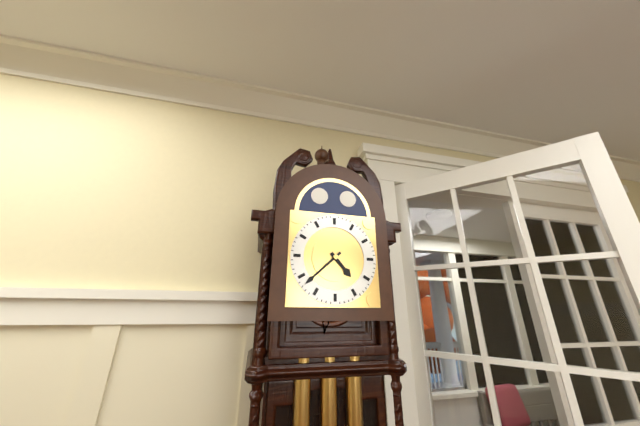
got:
4:38
